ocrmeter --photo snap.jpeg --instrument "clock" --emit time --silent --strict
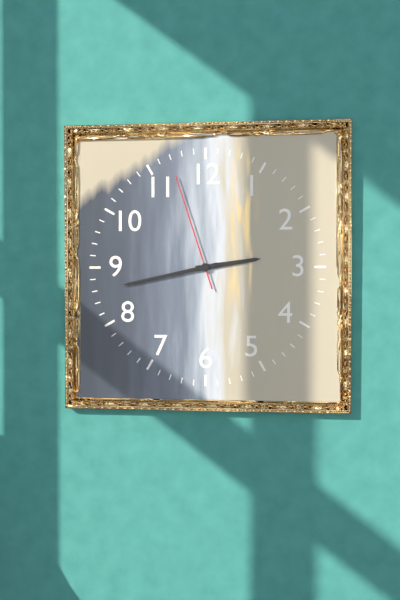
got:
2:43:57
